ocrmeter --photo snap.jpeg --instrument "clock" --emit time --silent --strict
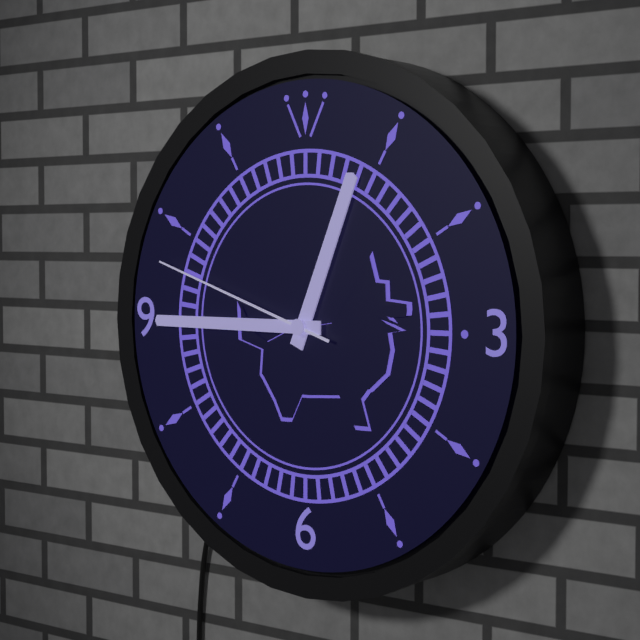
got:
12:45:48
